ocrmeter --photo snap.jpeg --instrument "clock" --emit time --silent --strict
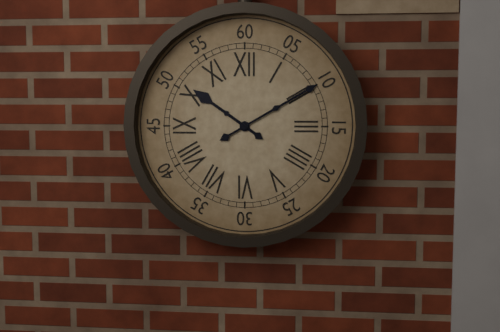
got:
10:10
